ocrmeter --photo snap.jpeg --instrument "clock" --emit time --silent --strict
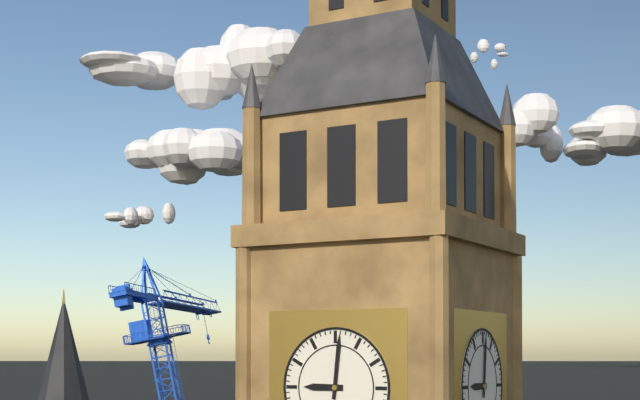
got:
9:01
